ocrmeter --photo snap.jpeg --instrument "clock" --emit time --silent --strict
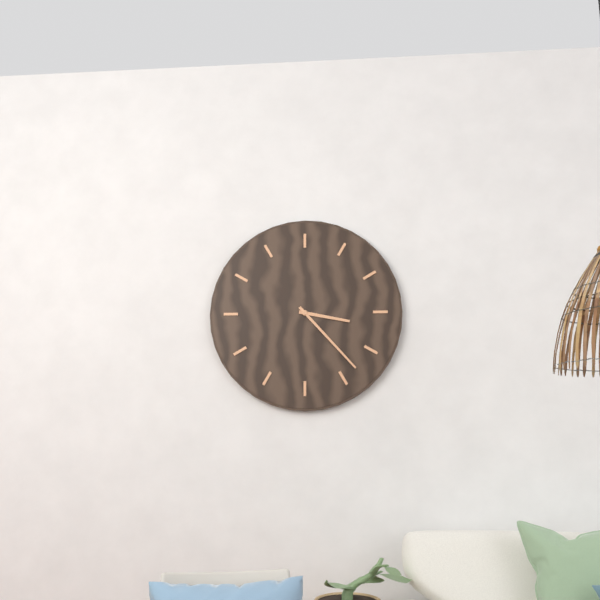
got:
3:23
